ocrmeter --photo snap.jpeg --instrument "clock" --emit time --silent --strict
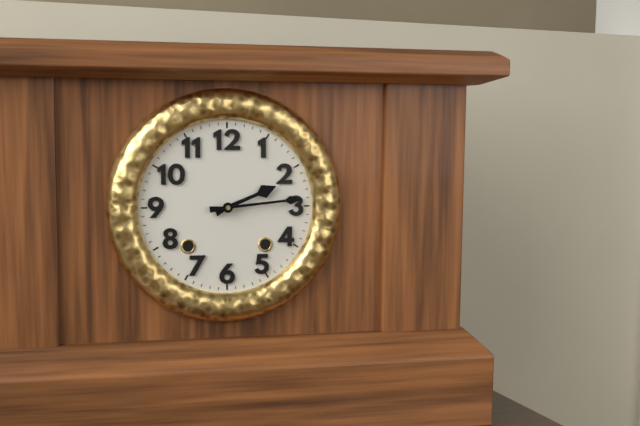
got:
2:14
